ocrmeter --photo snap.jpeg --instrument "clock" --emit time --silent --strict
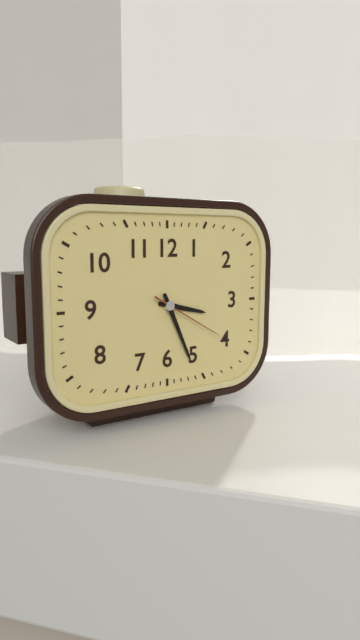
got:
3:26:20
